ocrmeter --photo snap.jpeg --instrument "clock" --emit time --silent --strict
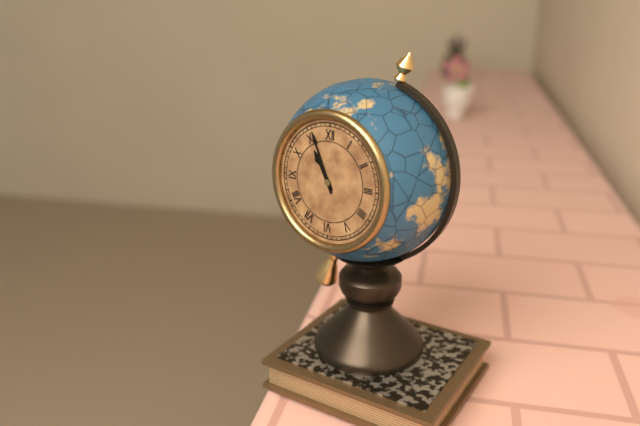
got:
10:56
